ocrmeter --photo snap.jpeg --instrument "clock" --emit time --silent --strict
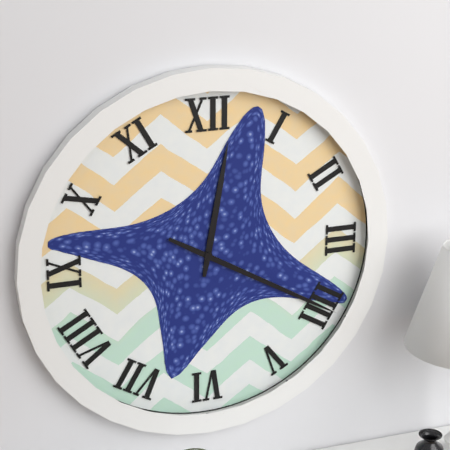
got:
12:20
